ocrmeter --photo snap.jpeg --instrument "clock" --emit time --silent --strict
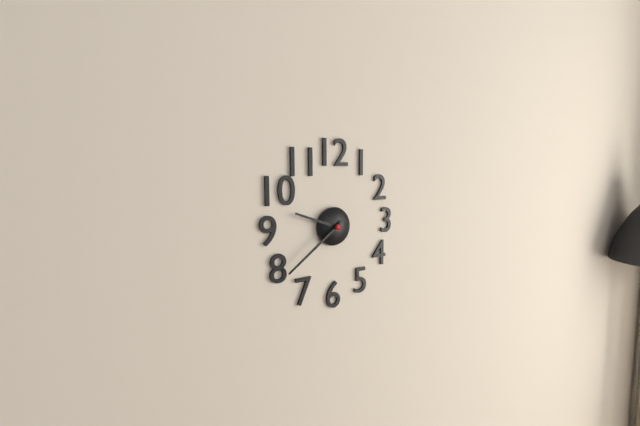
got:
9:39
